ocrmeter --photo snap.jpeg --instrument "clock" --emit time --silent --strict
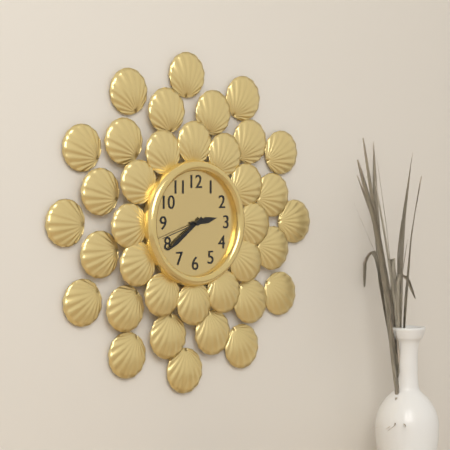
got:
2:39
